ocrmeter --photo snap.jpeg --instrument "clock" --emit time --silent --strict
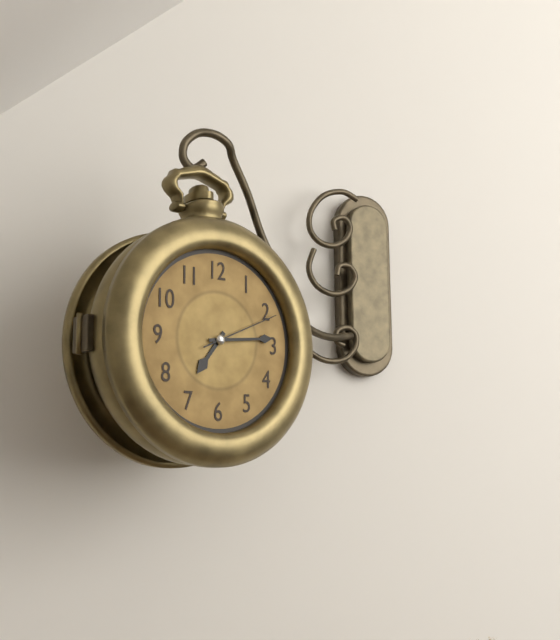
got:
7:14:11
